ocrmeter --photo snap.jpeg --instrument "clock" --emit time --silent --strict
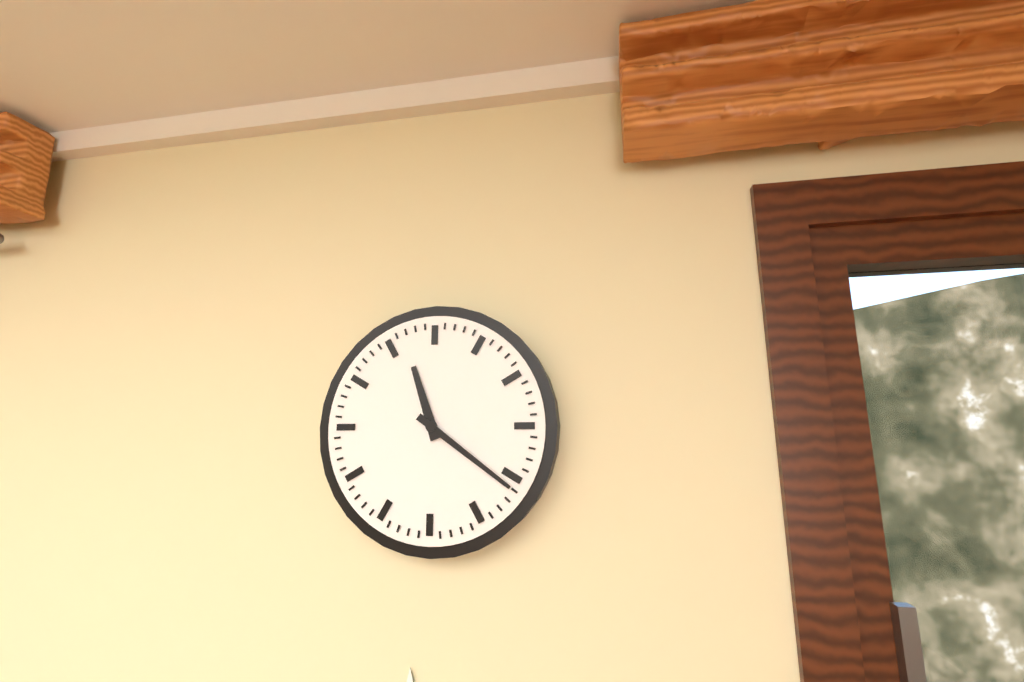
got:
11:21
